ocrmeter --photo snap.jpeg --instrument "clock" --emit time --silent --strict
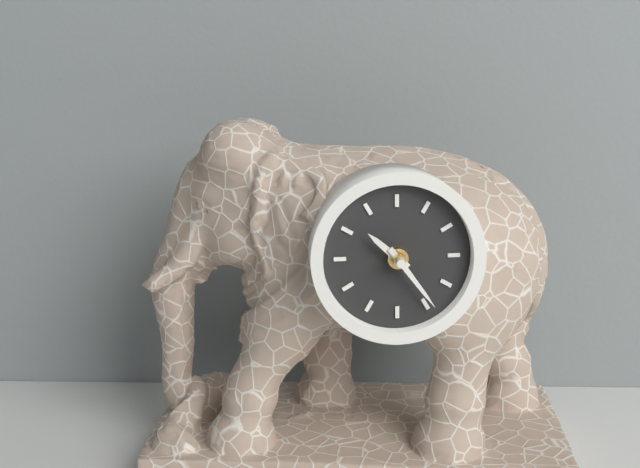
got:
10:24
